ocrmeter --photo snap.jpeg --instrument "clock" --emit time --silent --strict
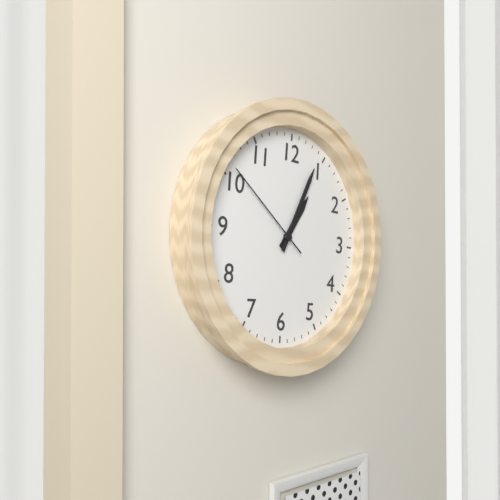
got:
1:04:51
